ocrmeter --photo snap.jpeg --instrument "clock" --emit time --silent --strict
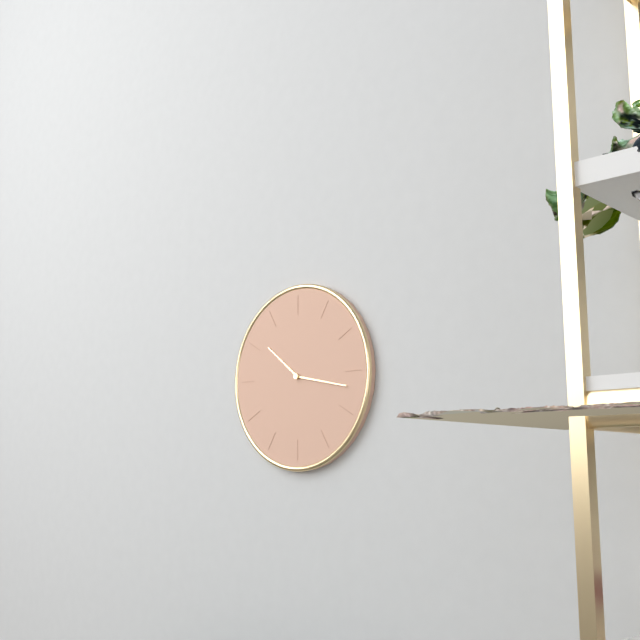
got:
10:17
